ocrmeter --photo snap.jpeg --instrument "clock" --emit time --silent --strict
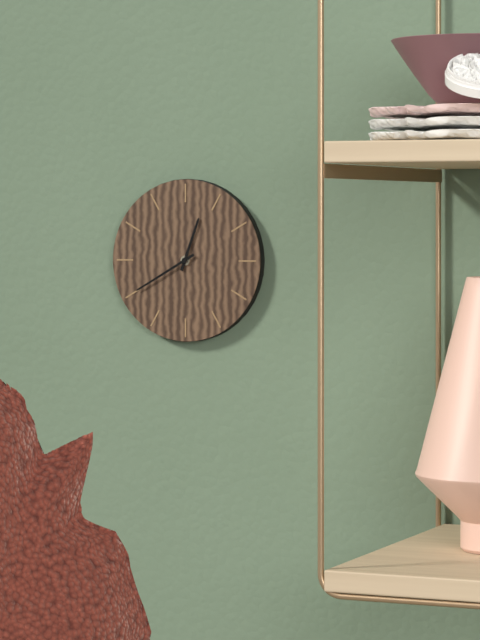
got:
12:40
